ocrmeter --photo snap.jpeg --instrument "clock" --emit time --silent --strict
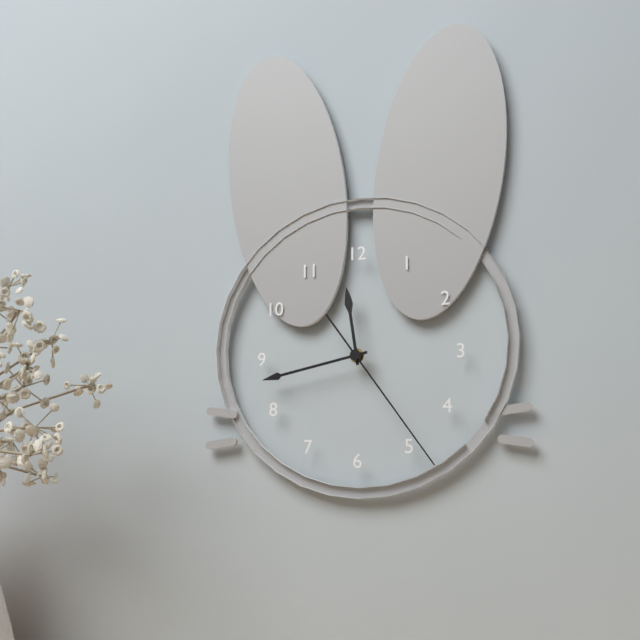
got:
11:43:24
